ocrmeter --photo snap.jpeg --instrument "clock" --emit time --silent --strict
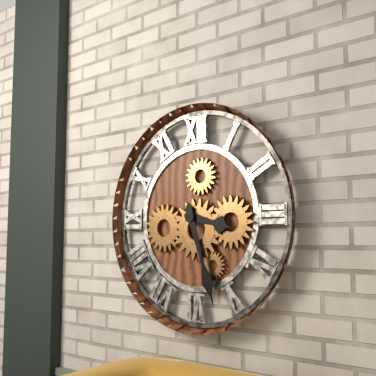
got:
3:27
